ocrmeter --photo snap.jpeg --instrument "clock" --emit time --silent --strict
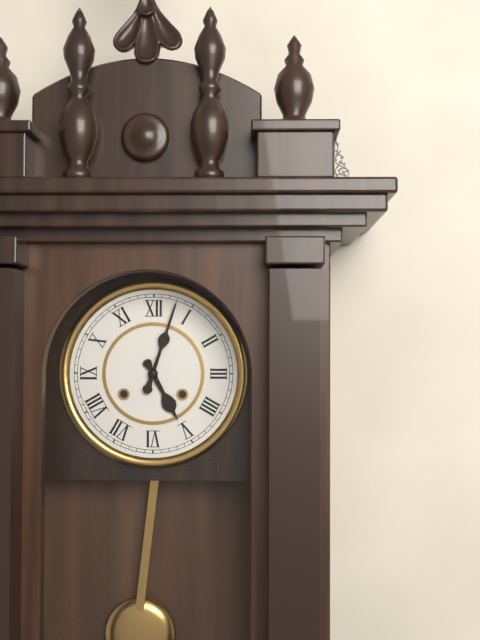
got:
5:03
